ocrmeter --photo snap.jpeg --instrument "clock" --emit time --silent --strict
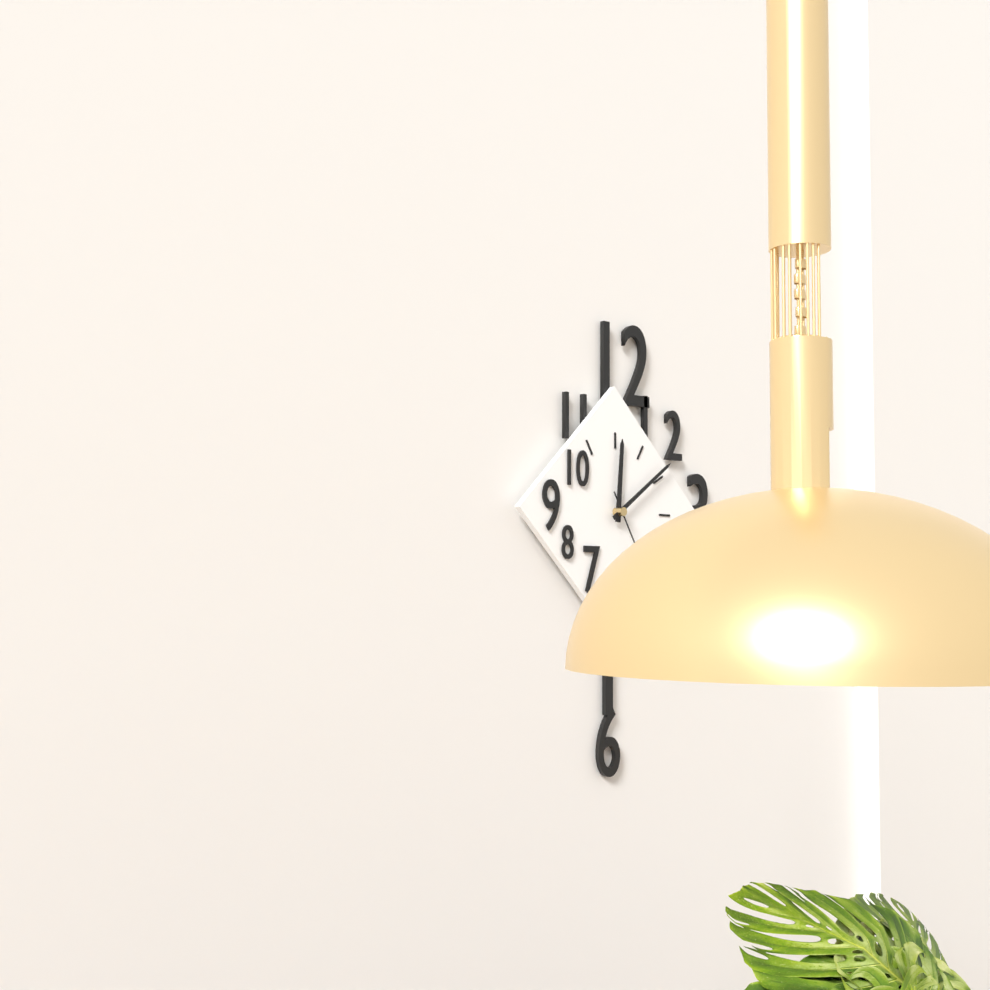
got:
12:09
